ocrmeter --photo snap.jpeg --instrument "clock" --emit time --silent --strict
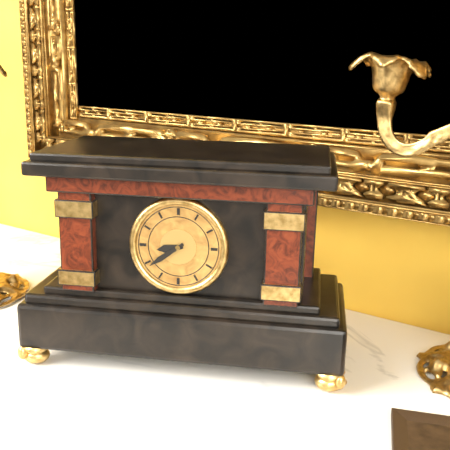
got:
8:39
